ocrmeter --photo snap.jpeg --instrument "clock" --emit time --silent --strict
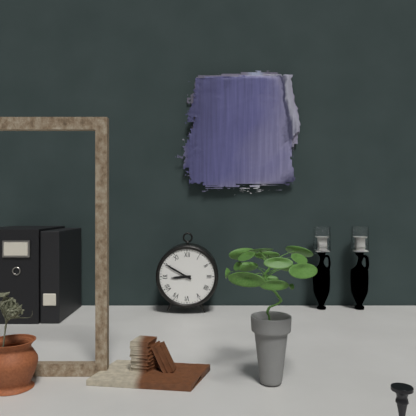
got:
8:50
